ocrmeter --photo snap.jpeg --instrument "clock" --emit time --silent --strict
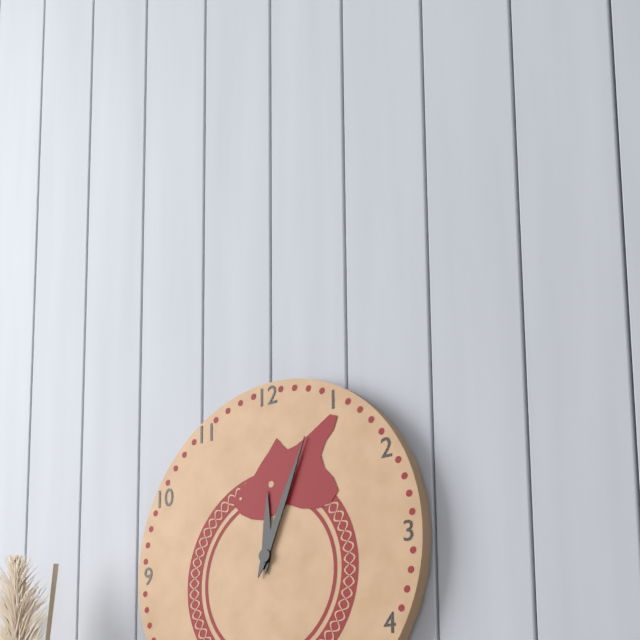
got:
12:04
